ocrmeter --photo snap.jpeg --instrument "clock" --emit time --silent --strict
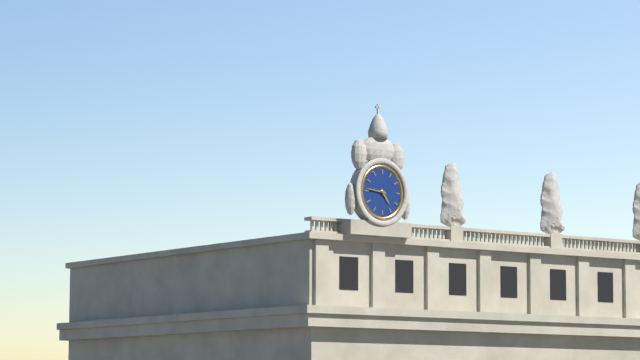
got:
4:46
